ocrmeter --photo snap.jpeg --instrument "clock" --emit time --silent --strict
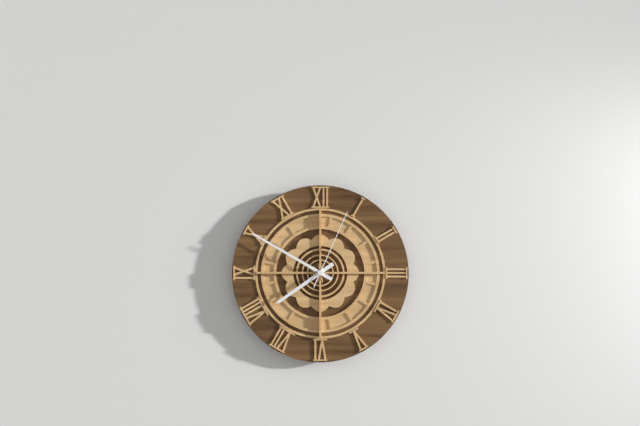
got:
7:50:04
